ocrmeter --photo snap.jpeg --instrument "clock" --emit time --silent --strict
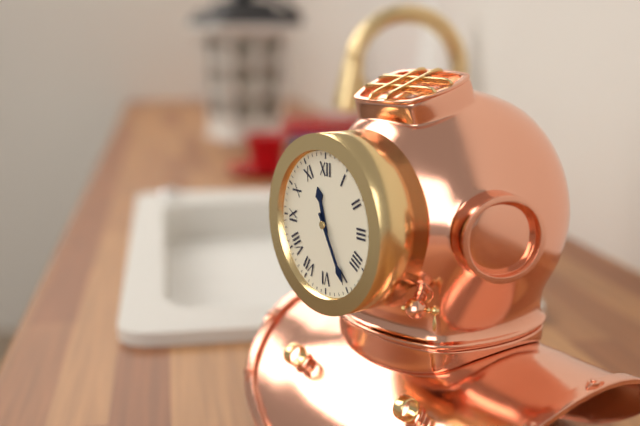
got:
11:25
